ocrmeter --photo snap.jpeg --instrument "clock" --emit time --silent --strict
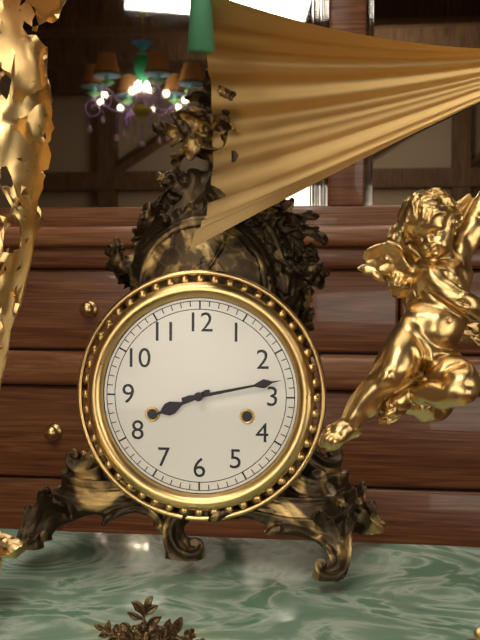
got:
8:13
